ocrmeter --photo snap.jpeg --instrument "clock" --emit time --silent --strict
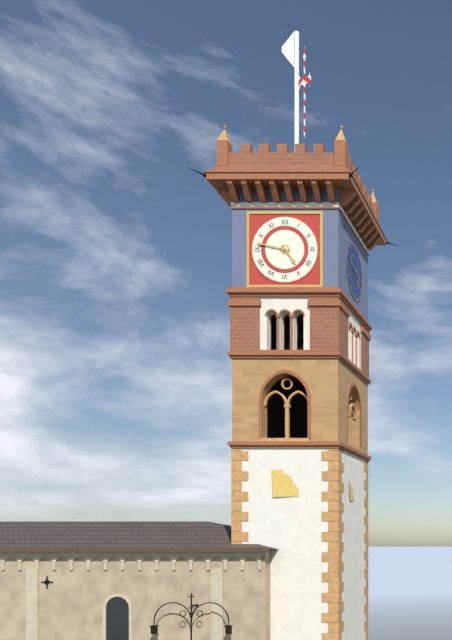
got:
4:47
